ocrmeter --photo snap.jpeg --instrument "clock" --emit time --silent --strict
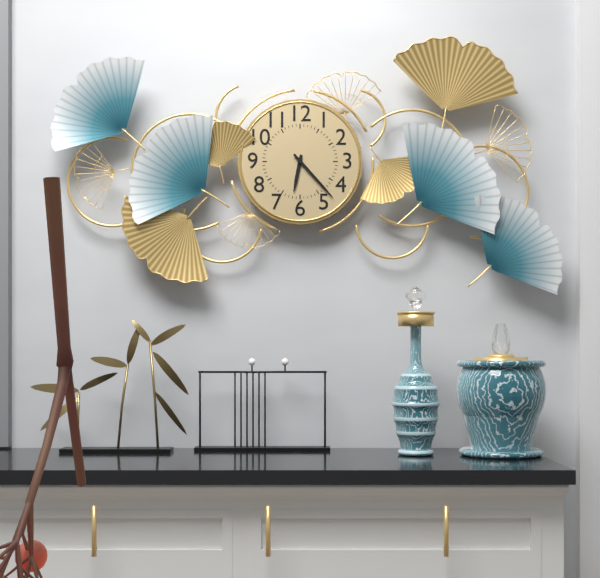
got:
6:23
